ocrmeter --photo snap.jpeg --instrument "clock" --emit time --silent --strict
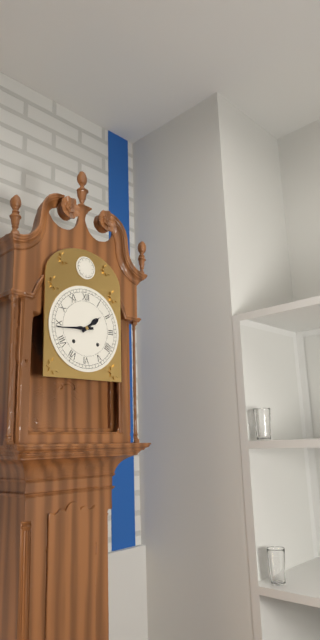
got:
1:44
